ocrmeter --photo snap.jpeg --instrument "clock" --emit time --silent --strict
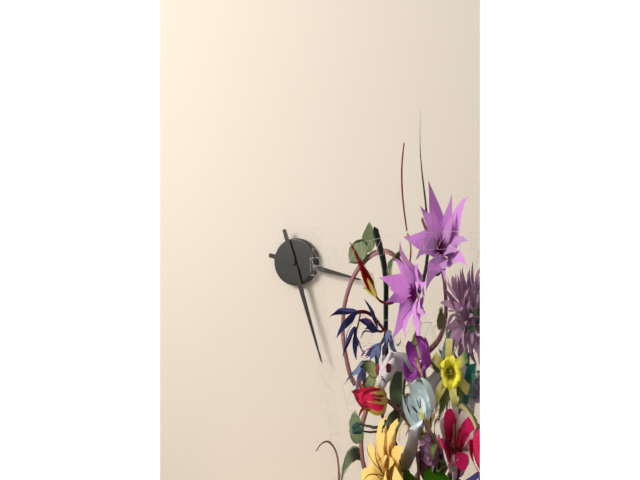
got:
3:27
